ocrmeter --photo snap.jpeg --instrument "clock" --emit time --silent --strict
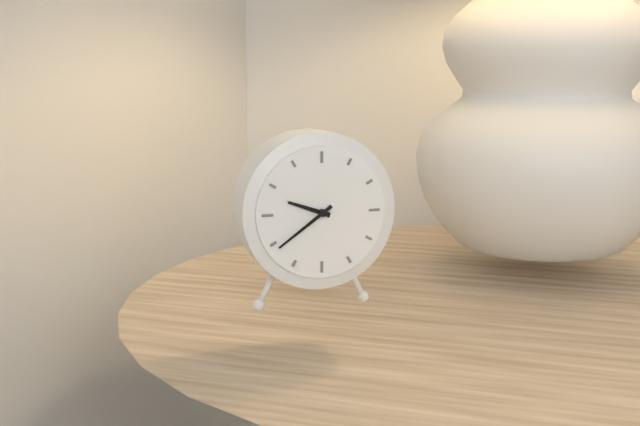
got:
9:39
